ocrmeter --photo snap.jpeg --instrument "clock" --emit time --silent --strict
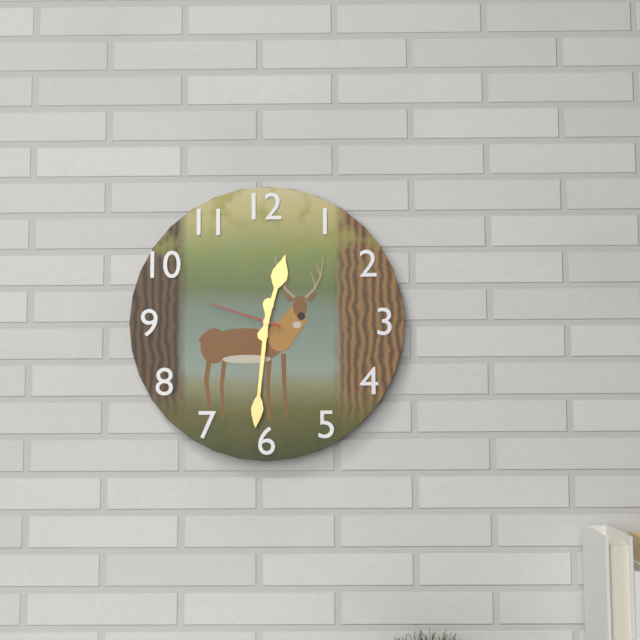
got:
12:31:48
